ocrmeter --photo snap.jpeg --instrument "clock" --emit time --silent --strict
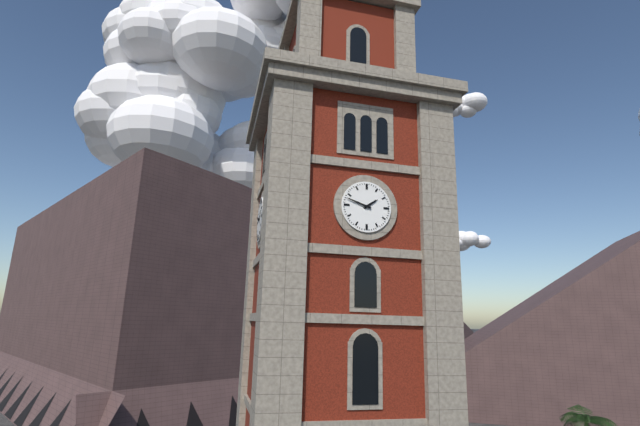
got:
1:48
